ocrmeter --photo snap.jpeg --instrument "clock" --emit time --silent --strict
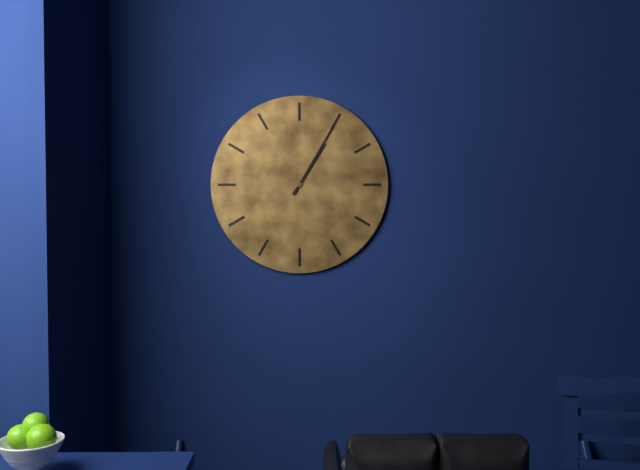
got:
1:05
